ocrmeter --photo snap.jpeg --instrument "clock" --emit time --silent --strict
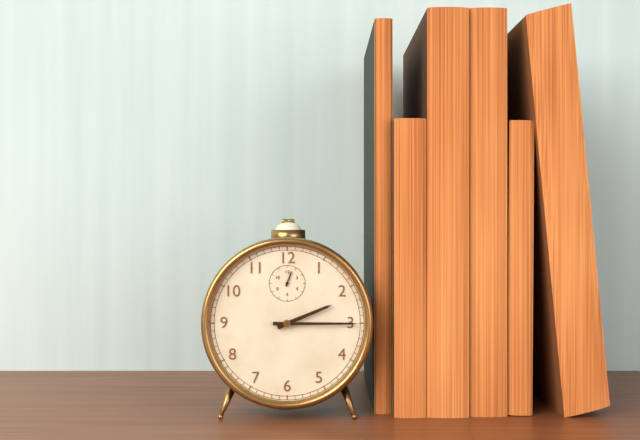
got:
2:15
